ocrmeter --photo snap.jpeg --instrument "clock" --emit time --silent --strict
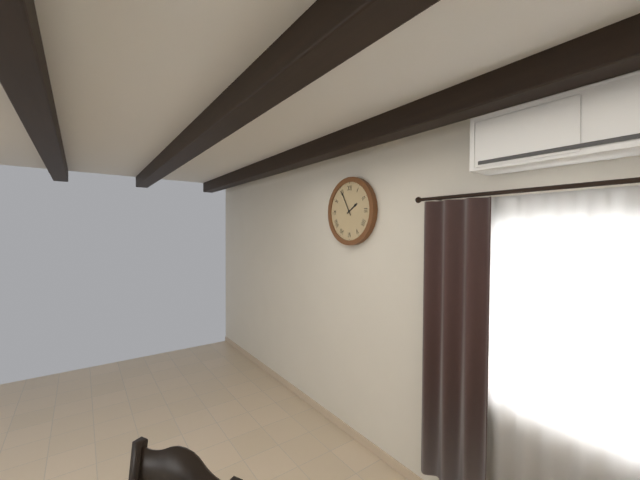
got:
1:55
